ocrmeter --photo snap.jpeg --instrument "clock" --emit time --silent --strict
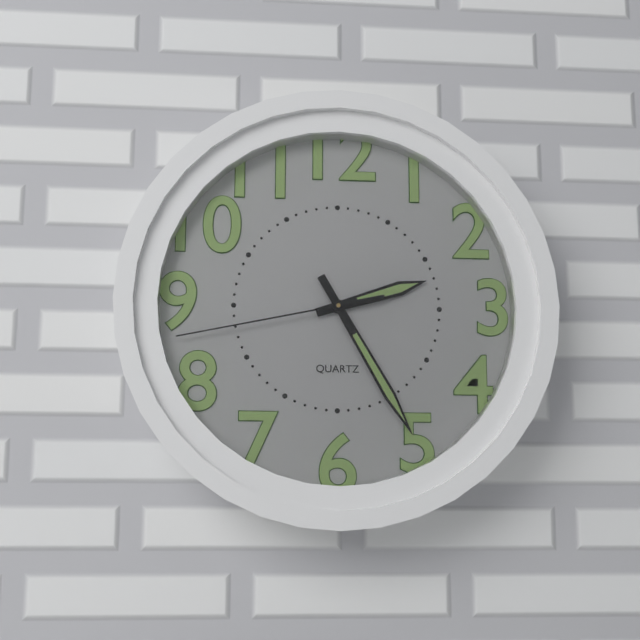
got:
2:25:43
